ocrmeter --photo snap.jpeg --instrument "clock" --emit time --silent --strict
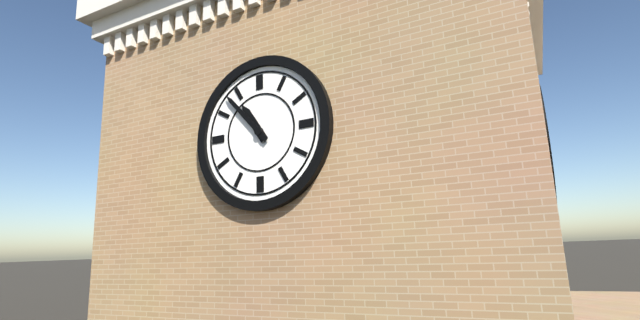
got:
10:53
